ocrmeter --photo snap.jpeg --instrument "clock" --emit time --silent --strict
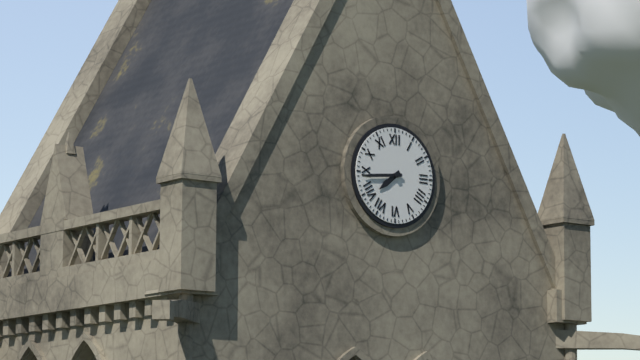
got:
7:44
